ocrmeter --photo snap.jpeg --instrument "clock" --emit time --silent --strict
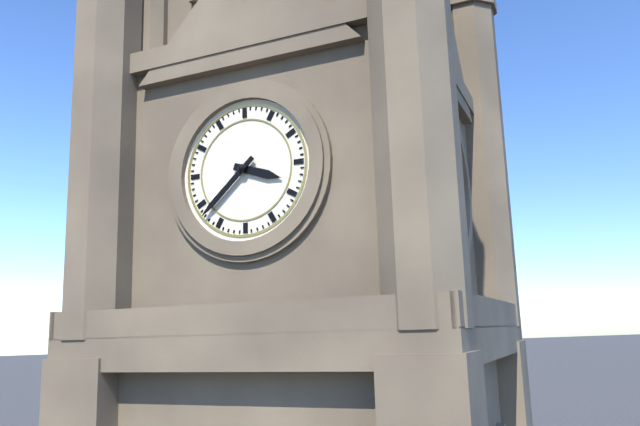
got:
3:38
